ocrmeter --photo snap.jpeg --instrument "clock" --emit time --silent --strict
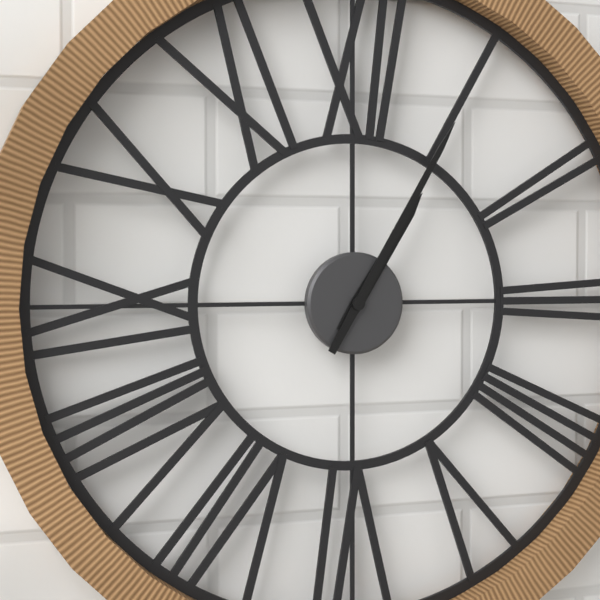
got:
1:05
